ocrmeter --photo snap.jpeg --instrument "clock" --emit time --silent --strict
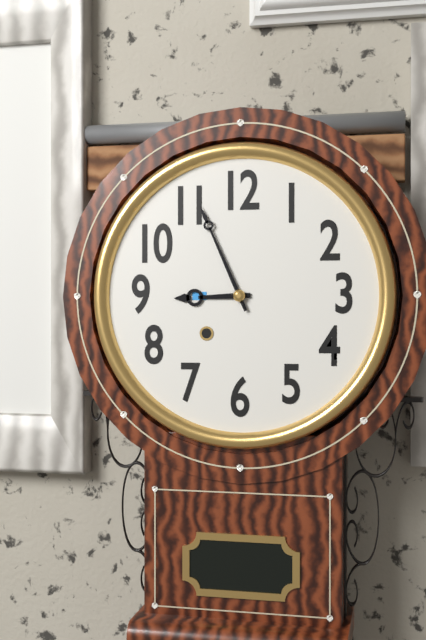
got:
8:56
